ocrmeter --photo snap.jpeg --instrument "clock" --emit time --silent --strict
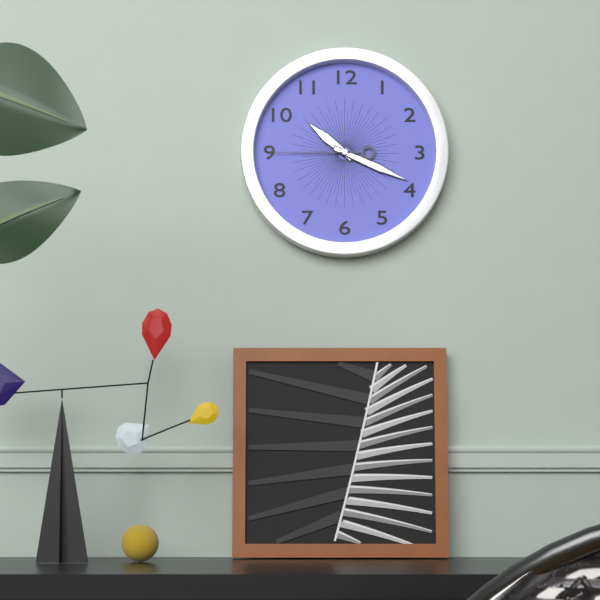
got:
10:19:45
